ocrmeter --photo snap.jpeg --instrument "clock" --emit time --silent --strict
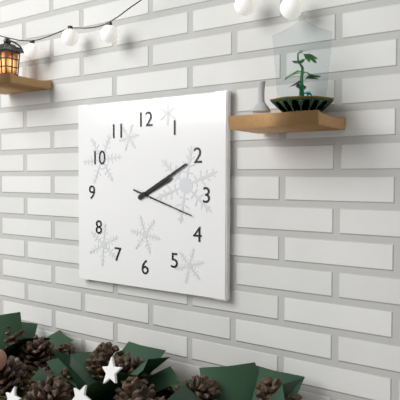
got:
2:10:18
